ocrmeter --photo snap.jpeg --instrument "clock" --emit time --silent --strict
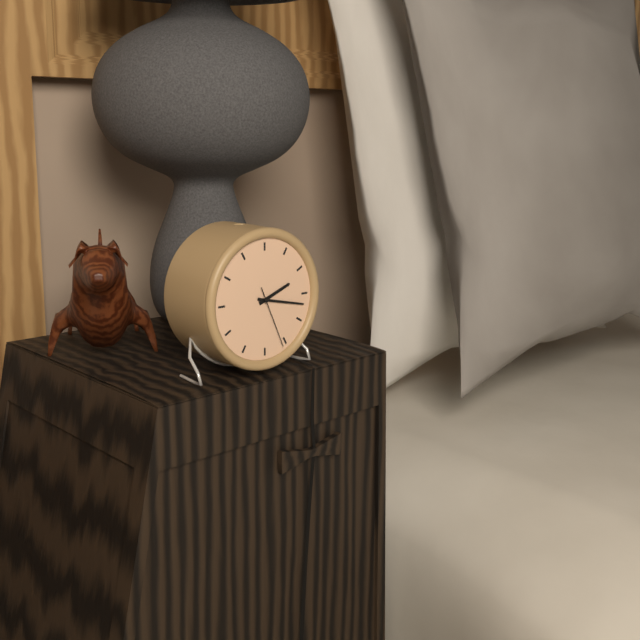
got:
2:17:26
